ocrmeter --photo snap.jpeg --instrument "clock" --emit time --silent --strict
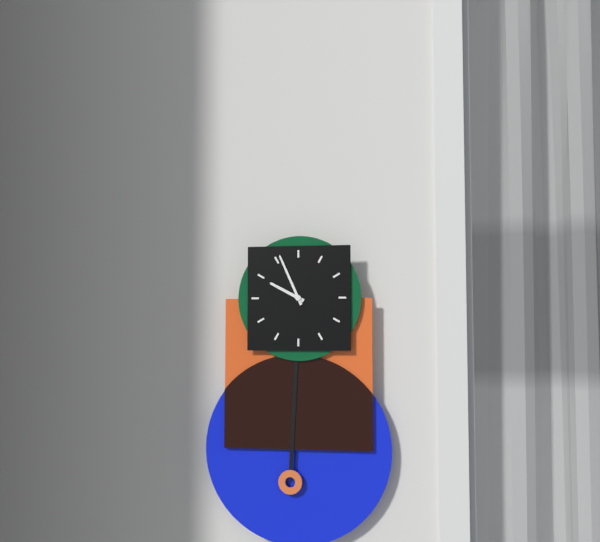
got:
9:56
